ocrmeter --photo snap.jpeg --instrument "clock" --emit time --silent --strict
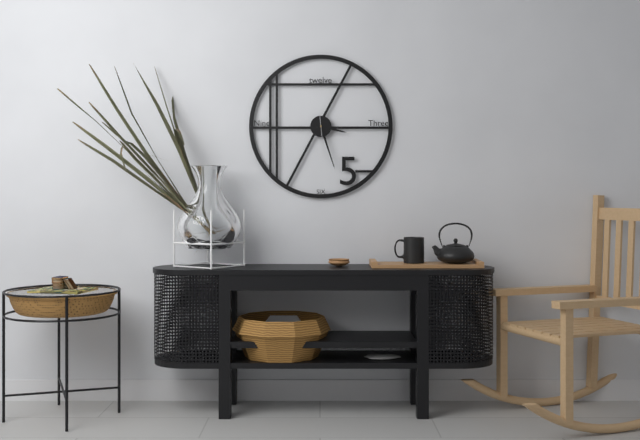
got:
3:27
